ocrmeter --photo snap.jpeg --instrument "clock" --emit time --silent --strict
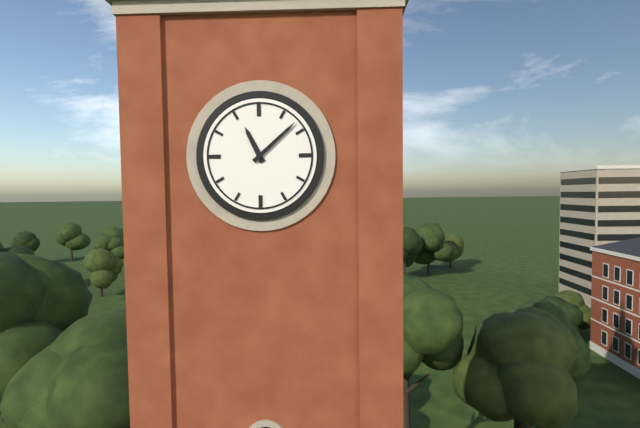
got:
11:08
